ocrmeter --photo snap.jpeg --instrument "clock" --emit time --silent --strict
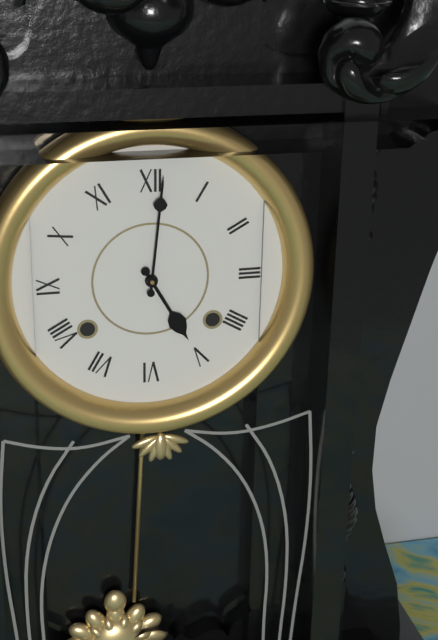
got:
5:01
